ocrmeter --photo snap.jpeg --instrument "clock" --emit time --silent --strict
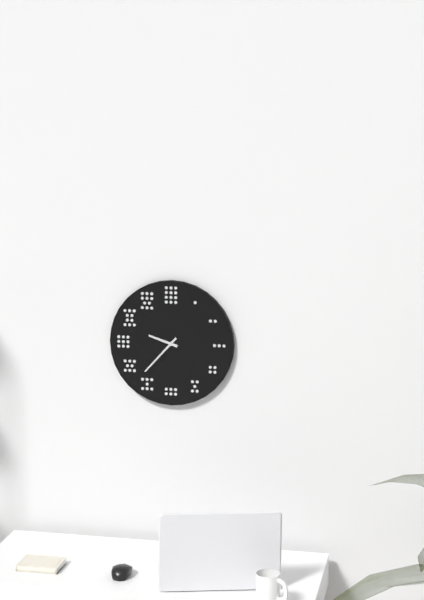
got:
9:37
